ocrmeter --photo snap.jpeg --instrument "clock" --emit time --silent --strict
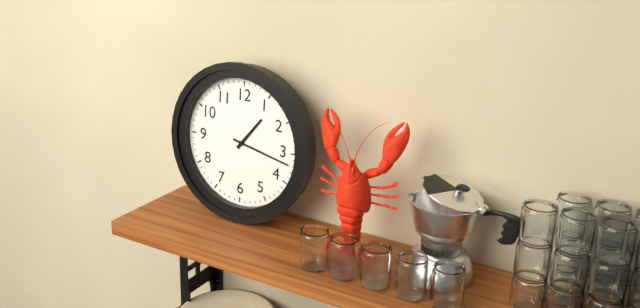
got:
1:17
